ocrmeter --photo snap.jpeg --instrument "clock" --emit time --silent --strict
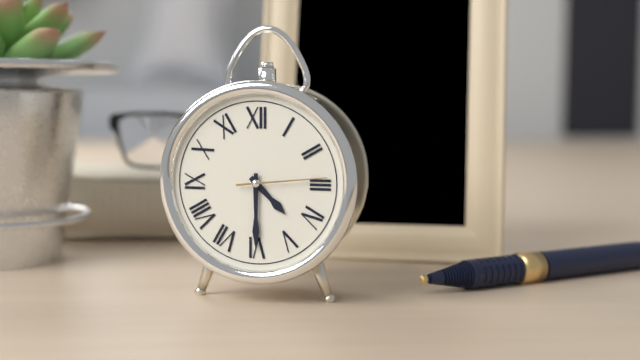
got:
4:30:14
